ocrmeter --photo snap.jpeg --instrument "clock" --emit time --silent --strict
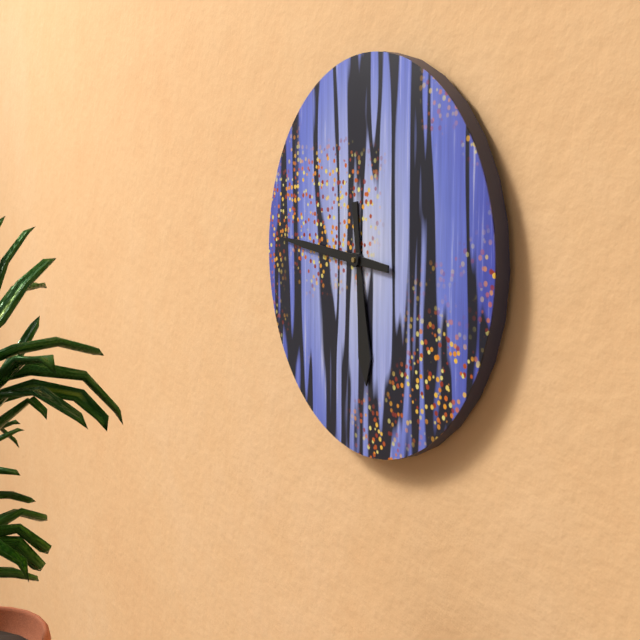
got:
5:46
